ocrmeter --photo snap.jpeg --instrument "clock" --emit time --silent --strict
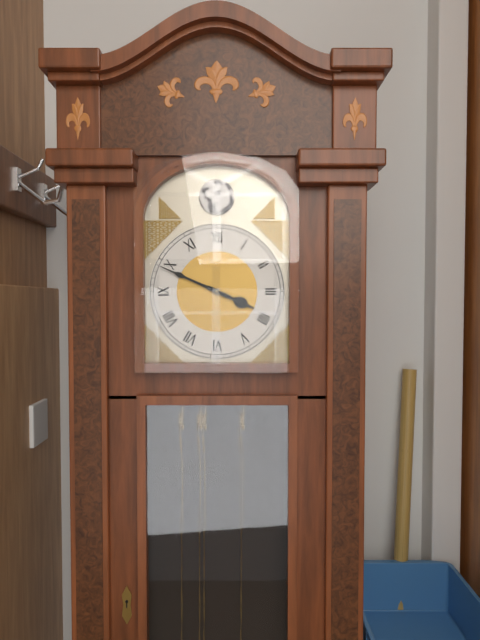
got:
3:49
